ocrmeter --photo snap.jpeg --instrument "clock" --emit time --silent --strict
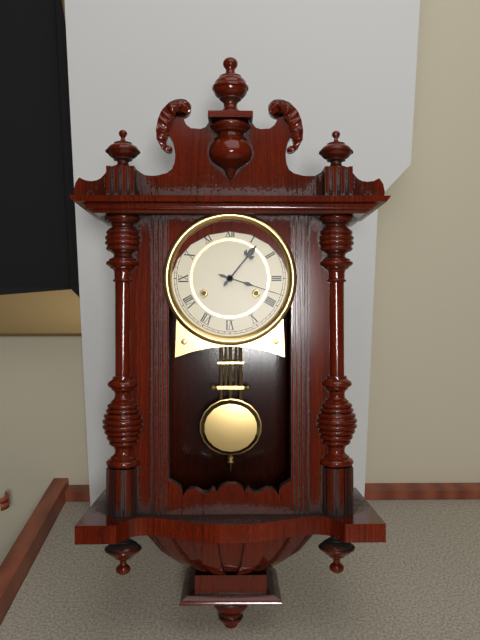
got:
1:18
